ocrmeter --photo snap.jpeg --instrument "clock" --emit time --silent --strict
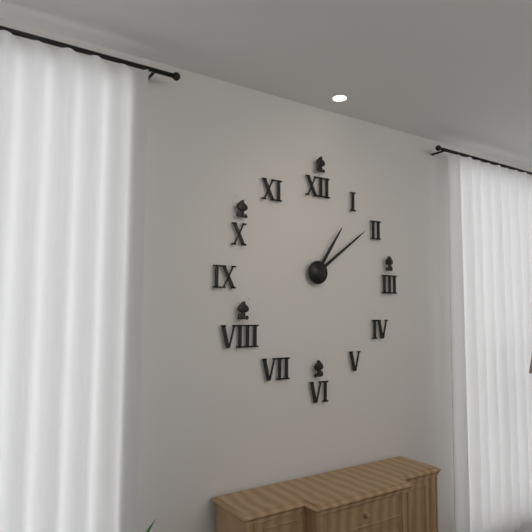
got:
1:09
